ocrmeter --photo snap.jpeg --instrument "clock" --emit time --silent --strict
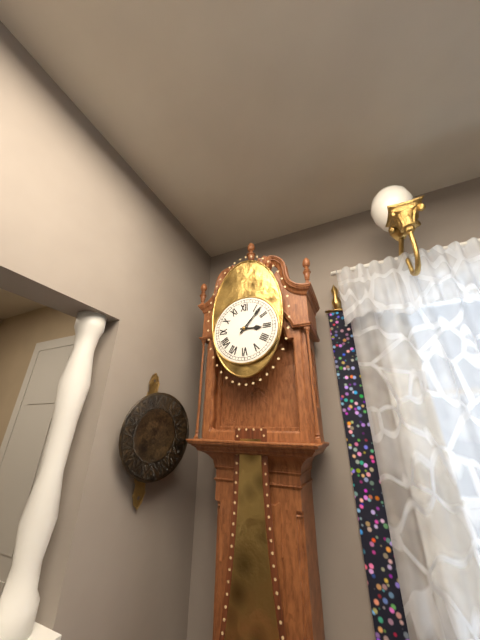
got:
3:07
